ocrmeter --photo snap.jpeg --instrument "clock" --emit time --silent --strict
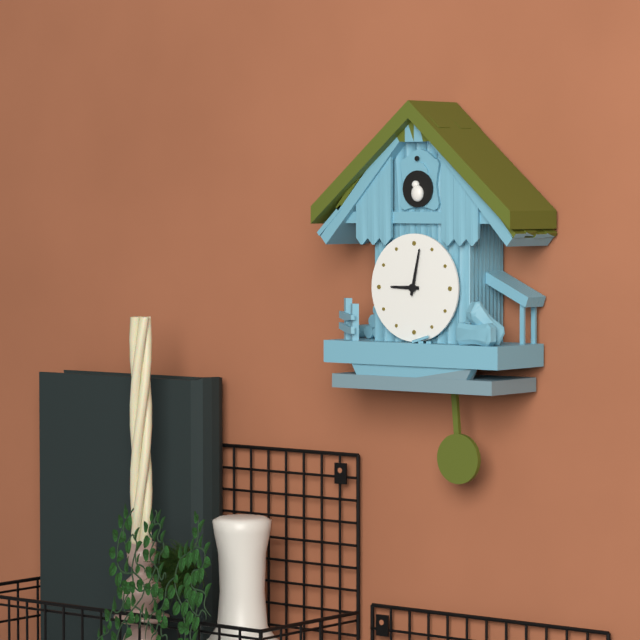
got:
9:02
